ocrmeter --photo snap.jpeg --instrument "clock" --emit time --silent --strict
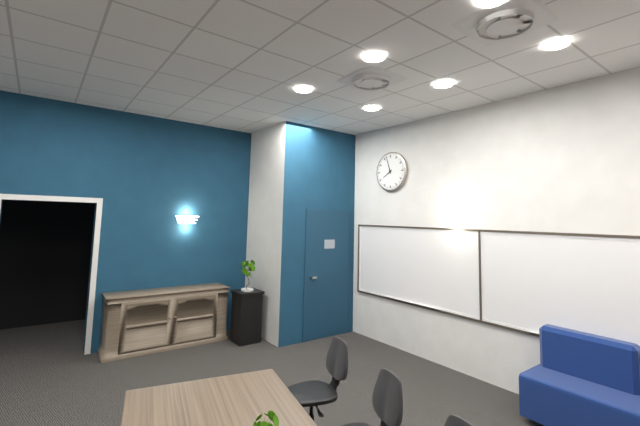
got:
7:57
